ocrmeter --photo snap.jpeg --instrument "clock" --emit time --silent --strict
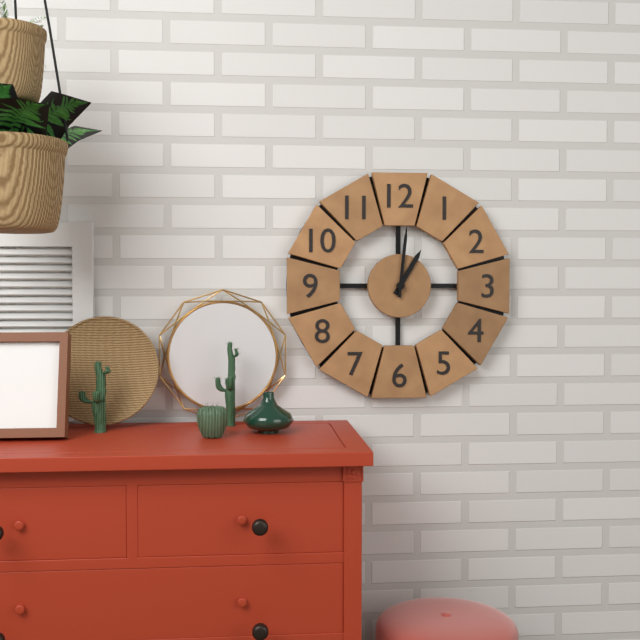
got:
1:01
